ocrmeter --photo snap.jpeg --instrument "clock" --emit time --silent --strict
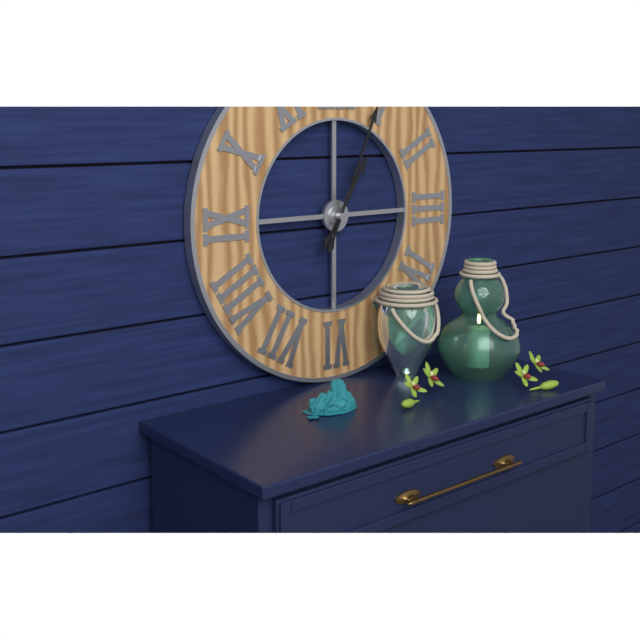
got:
1:04
